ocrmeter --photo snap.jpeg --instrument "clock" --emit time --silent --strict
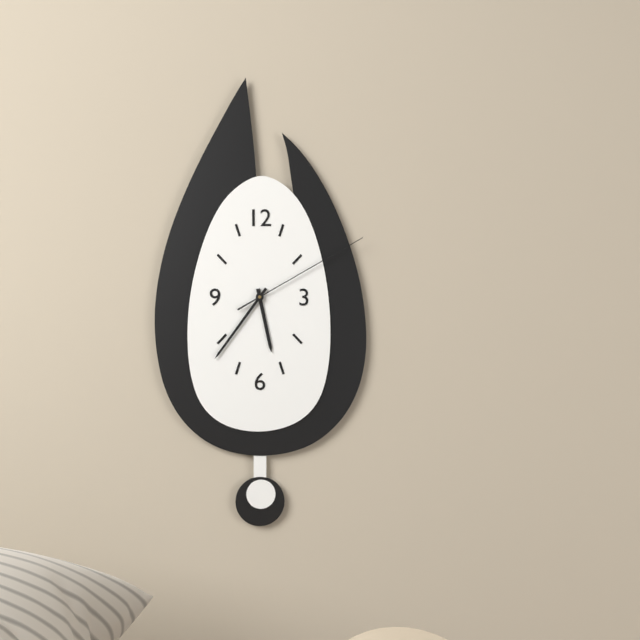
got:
5:36:10
